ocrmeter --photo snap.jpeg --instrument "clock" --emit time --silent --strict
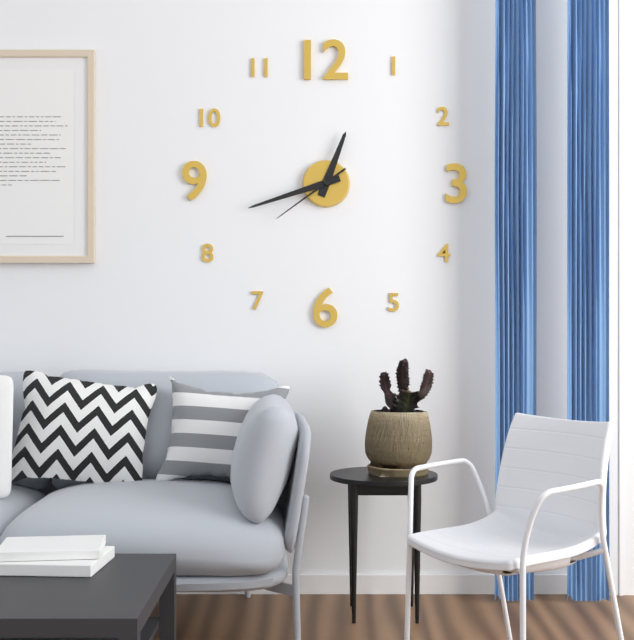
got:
12:42:39
